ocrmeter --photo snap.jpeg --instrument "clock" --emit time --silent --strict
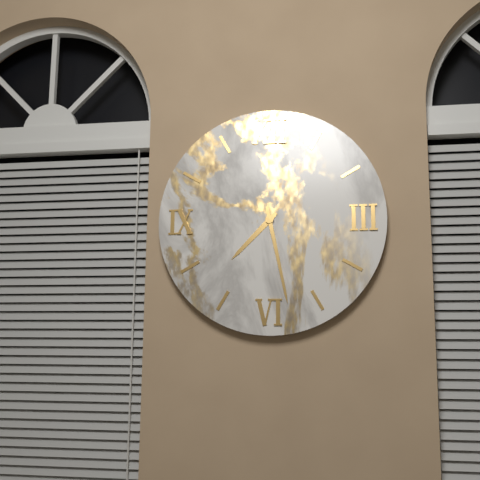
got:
7:28
